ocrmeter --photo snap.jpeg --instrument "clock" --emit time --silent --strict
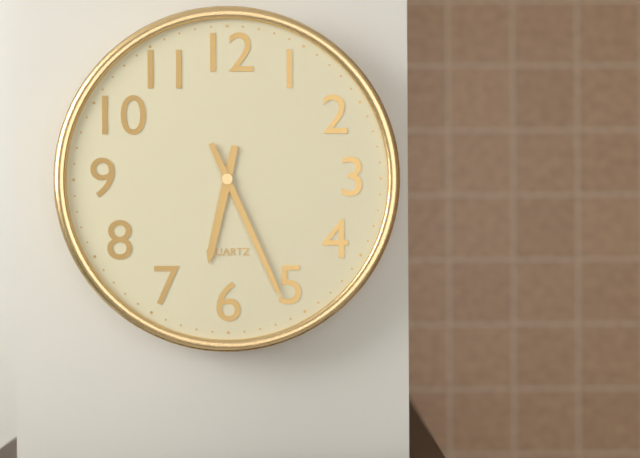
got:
6:26
